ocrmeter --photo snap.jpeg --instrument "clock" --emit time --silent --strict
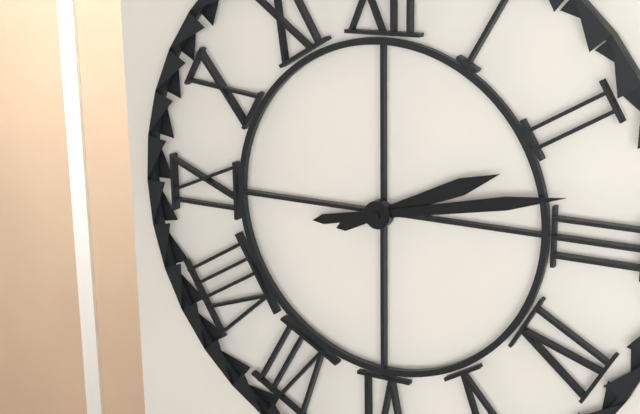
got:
2:13
